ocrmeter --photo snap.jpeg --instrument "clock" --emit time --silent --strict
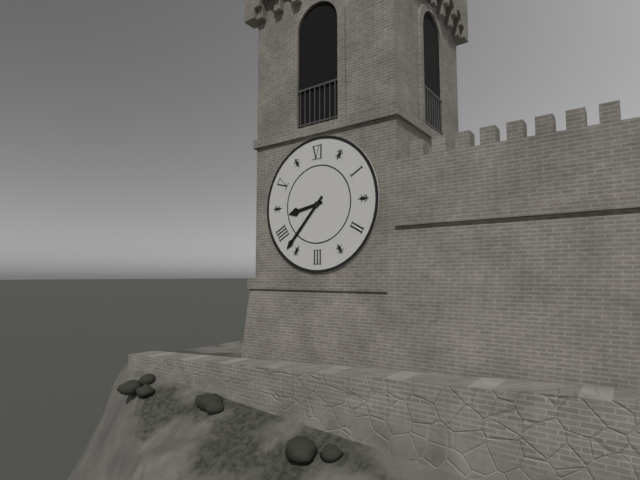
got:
8:37
